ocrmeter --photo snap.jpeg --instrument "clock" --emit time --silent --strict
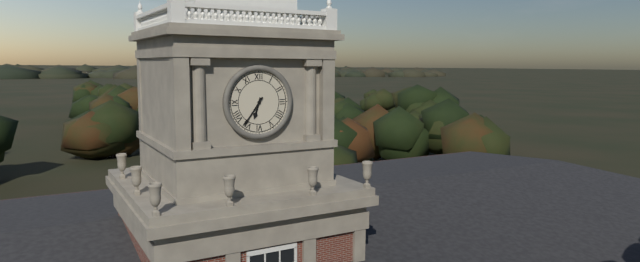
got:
6:36
